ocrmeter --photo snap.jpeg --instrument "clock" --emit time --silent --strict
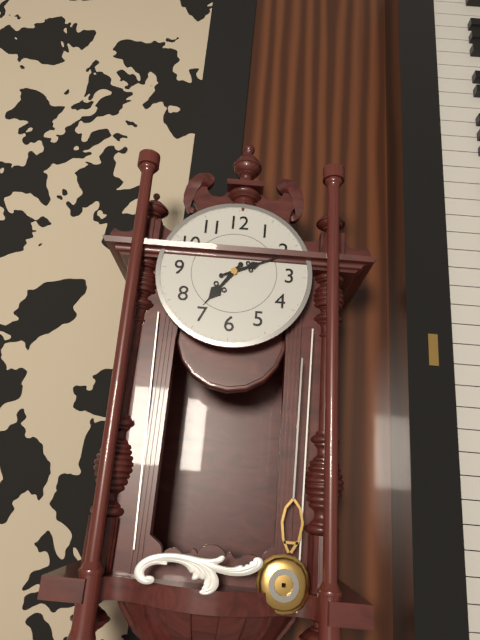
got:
7:11
